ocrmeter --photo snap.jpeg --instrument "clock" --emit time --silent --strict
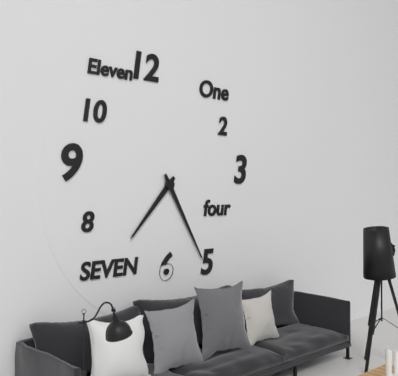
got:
7:25
